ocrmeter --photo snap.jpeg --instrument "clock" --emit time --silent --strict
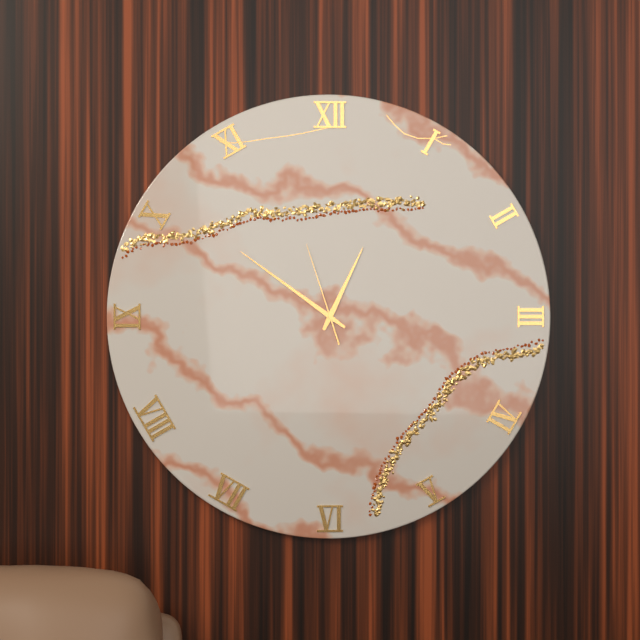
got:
12:51:57
